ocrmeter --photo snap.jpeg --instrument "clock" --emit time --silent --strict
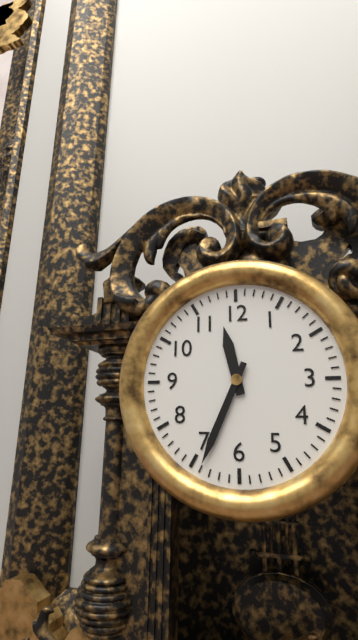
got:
11:34
